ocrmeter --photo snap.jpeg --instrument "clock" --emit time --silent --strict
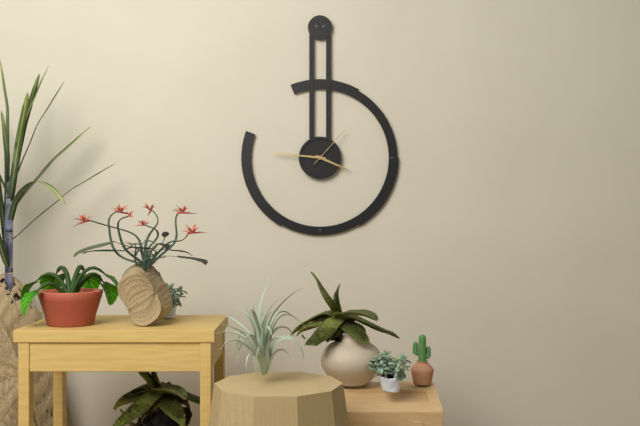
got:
3:46
